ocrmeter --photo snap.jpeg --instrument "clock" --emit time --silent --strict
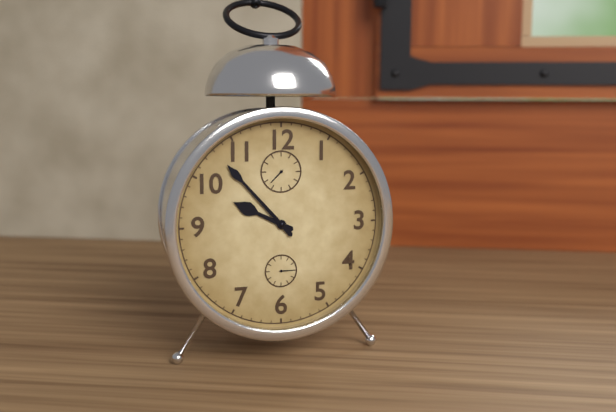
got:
9:53
